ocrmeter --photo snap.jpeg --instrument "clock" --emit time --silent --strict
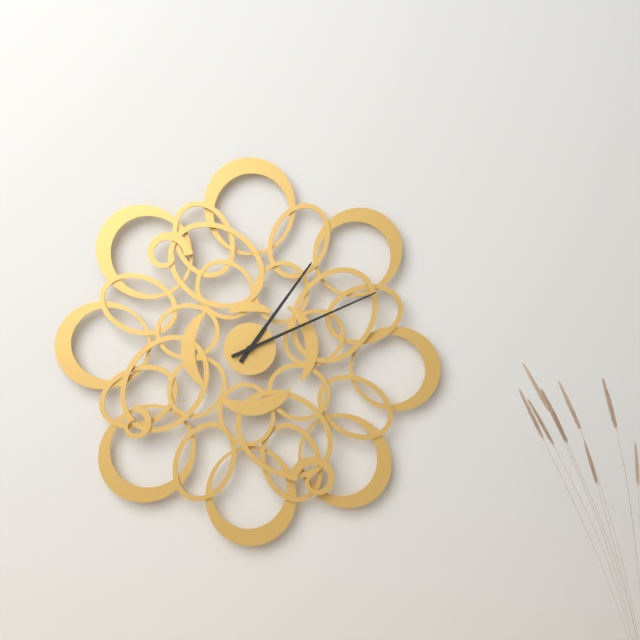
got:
1:11
